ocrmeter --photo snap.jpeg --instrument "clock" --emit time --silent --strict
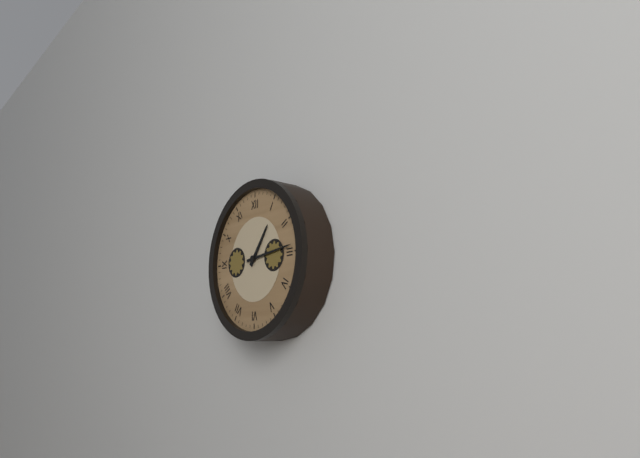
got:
1:14
